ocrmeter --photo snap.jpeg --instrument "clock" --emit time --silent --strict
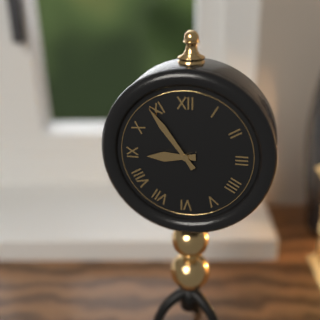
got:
8:54
